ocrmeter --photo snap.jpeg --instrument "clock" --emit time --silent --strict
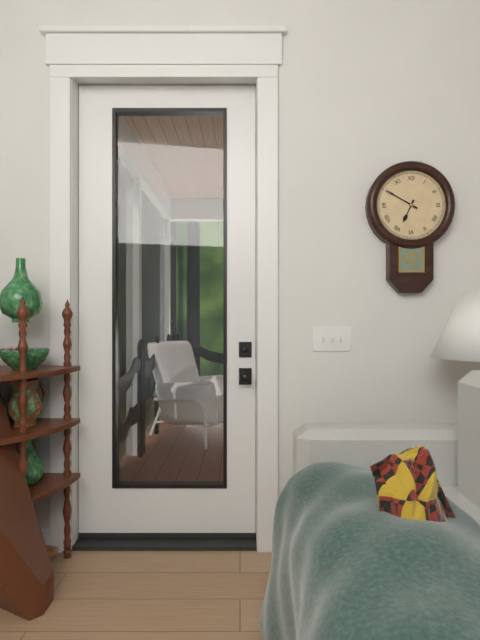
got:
6:50
